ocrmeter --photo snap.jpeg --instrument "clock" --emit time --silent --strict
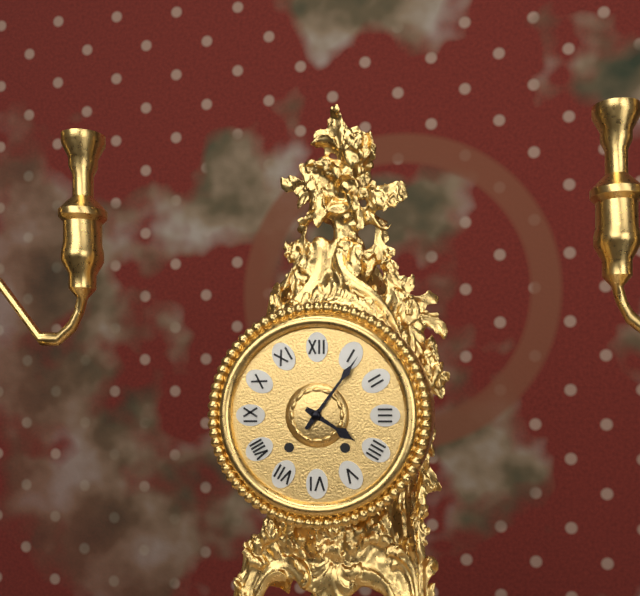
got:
4:06
